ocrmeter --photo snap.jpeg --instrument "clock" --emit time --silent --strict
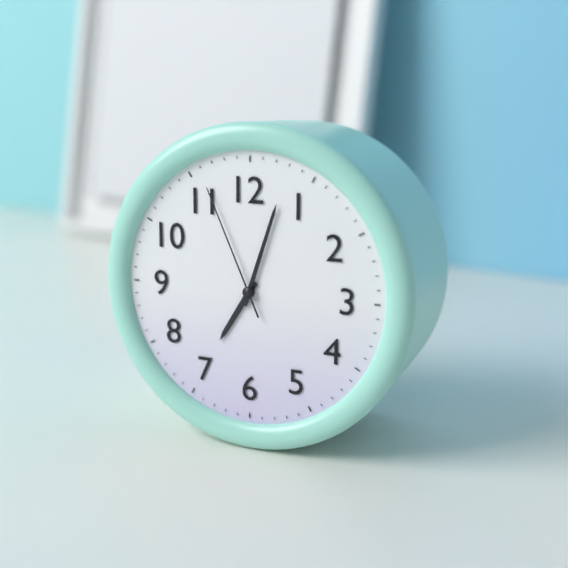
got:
7:03:56
